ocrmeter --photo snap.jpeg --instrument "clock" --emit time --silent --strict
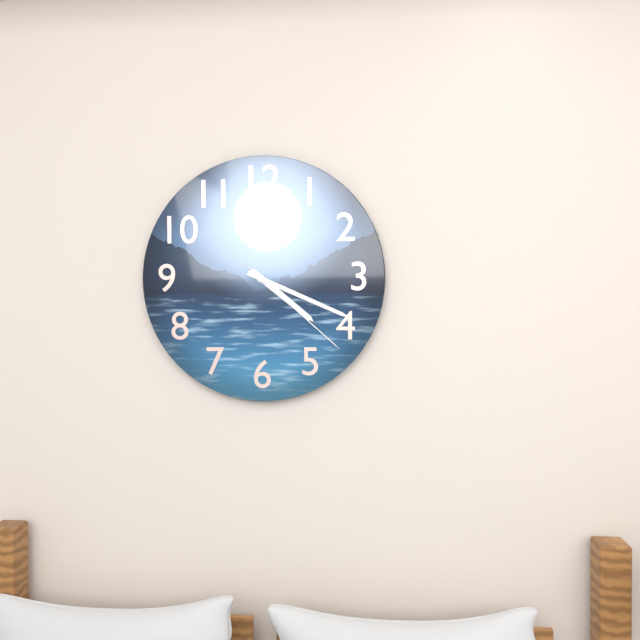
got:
4:19:22
